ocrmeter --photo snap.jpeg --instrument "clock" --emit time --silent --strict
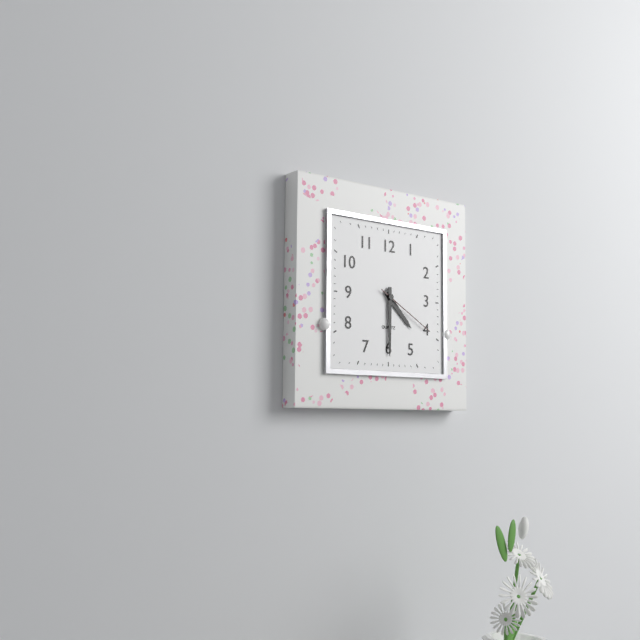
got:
4:30:20
